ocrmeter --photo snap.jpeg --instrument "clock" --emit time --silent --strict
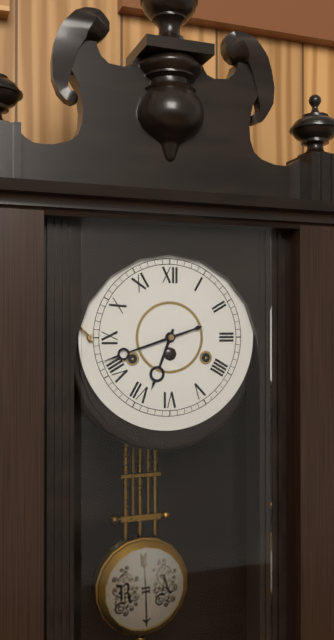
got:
6:42
